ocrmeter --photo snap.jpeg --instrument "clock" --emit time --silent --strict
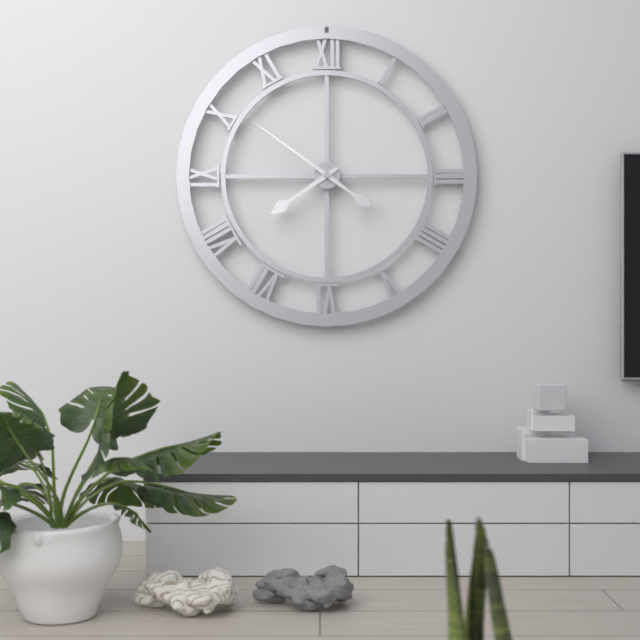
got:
7:51
